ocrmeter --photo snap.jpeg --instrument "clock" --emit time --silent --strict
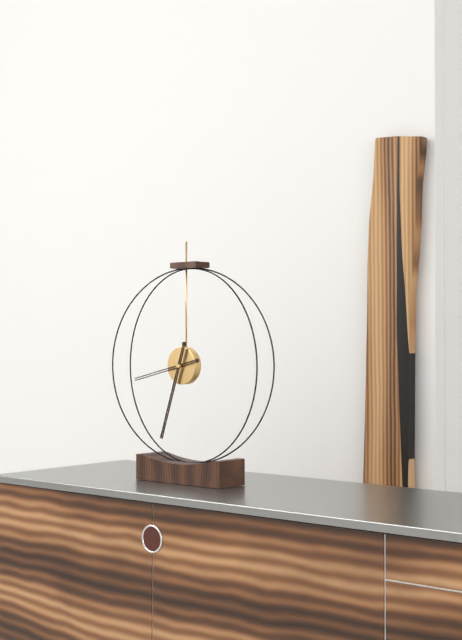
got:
8:33
